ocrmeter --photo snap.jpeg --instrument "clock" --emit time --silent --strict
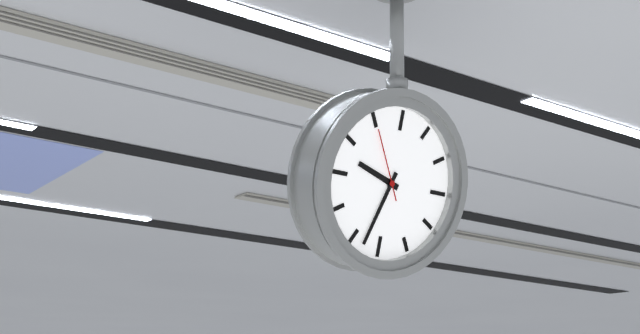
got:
9:33:55
